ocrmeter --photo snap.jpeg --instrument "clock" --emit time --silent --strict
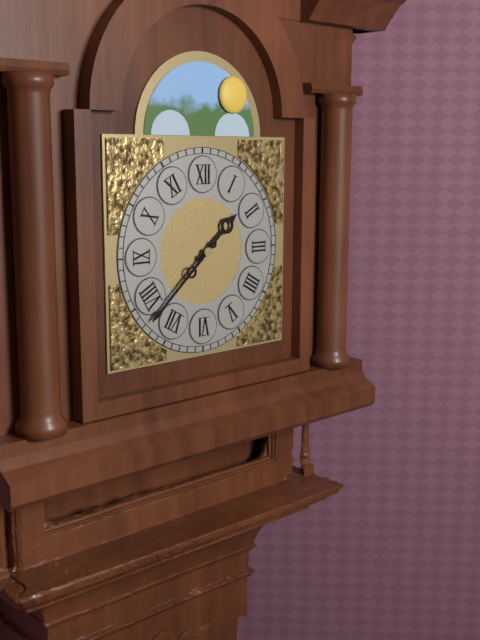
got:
1:38
